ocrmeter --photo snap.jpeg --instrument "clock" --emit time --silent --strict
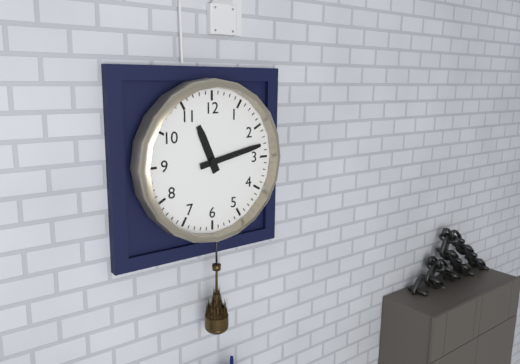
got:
11:13
